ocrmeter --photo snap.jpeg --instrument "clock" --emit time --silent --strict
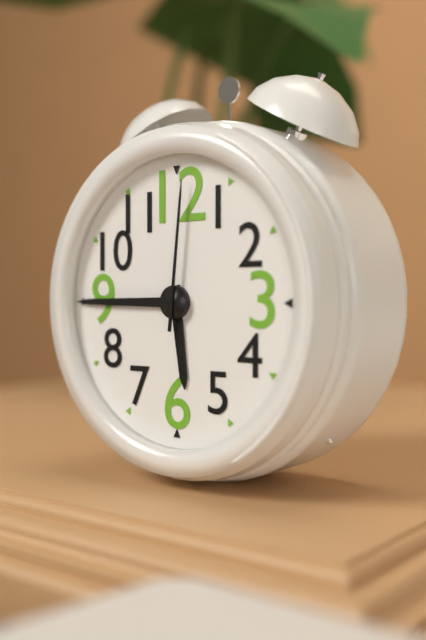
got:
5:45:01
